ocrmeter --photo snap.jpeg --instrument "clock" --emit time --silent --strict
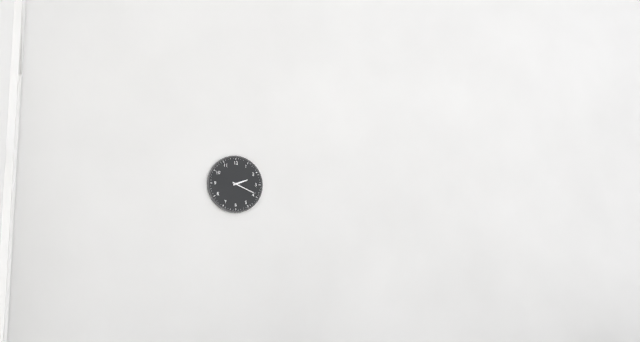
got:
2:19
